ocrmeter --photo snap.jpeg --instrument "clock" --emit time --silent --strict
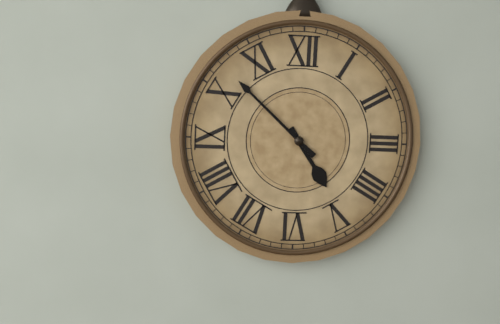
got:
4:52
